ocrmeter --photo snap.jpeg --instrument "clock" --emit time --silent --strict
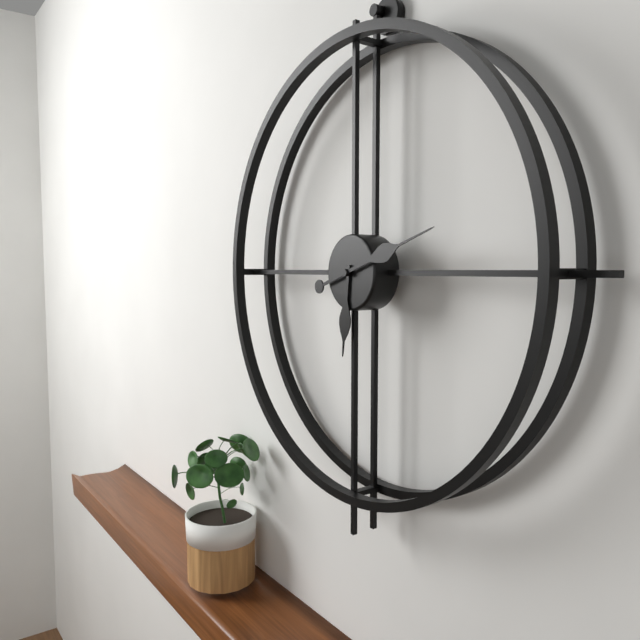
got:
6:12
